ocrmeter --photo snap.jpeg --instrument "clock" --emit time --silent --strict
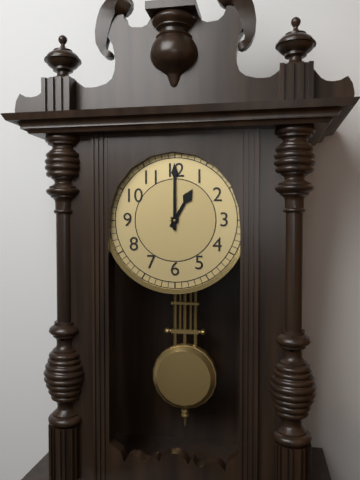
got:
1:00
